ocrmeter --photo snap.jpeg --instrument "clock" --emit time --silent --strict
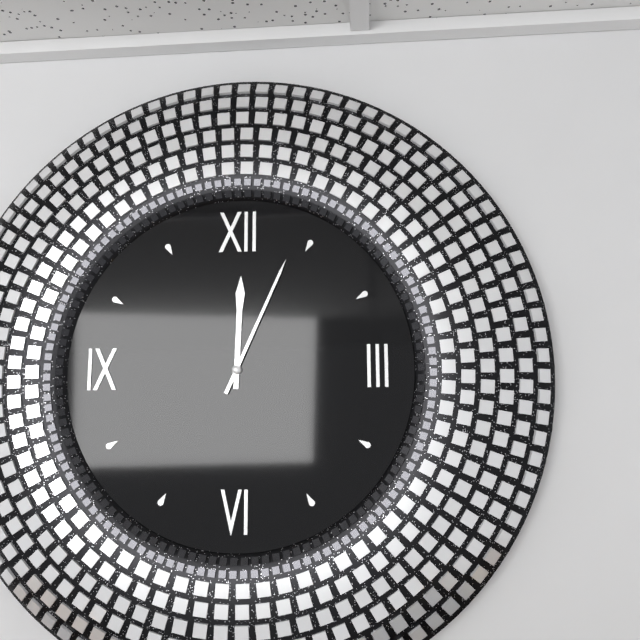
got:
12:04
